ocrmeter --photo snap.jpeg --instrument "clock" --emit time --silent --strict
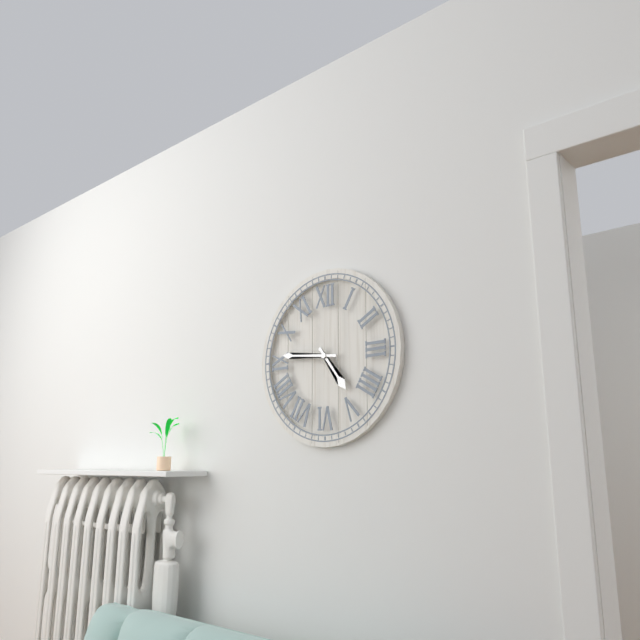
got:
4:46
